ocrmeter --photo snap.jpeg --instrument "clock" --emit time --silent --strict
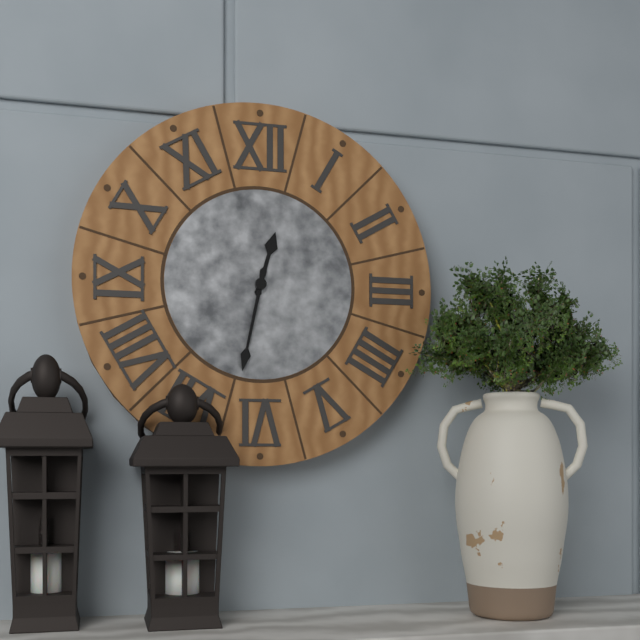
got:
12:32
